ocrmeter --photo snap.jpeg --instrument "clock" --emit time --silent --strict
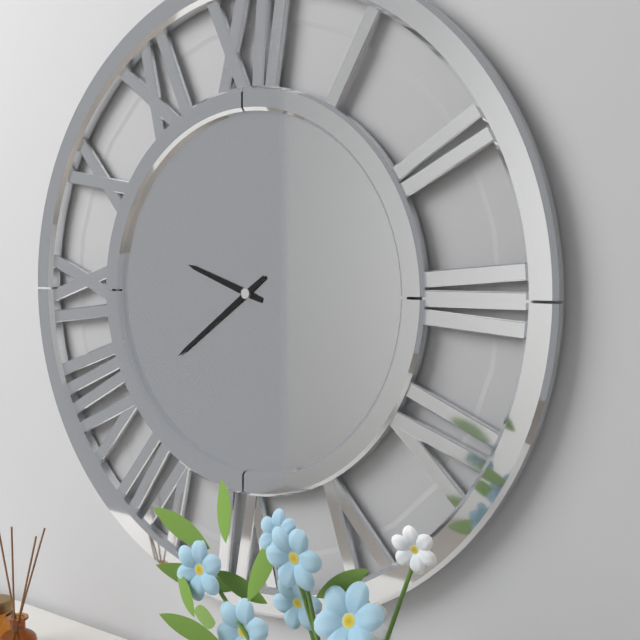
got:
9:39
